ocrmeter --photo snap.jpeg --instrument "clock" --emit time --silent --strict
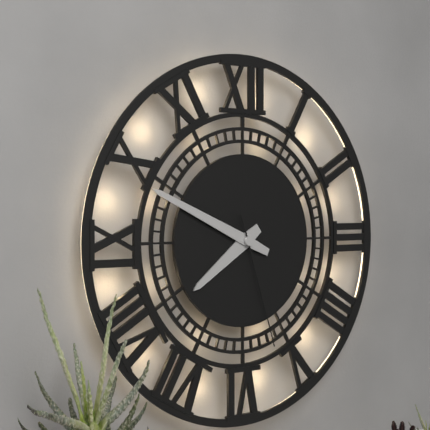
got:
7:49:27
